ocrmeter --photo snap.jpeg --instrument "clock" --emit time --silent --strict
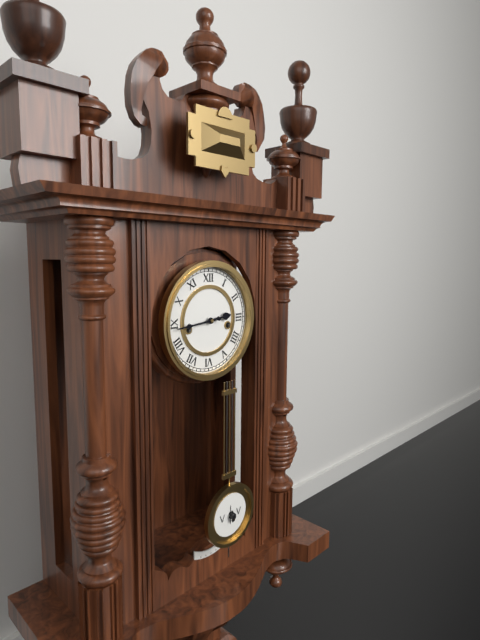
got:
2:44
